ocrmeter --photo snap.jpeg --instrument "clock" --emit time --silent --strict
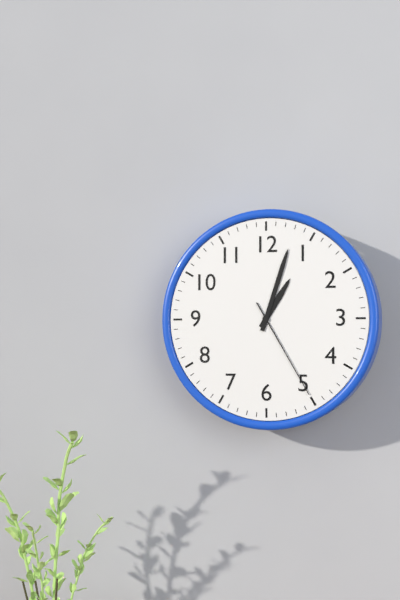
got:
1:03:25
